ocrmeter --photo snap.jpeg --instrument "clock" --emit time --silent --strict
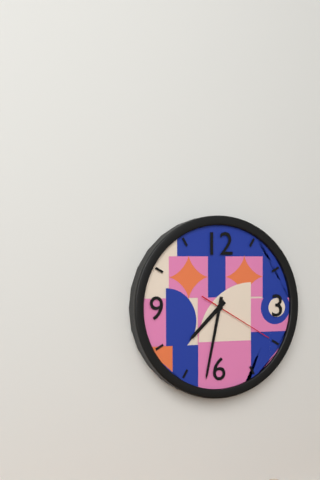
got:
7:32:20
